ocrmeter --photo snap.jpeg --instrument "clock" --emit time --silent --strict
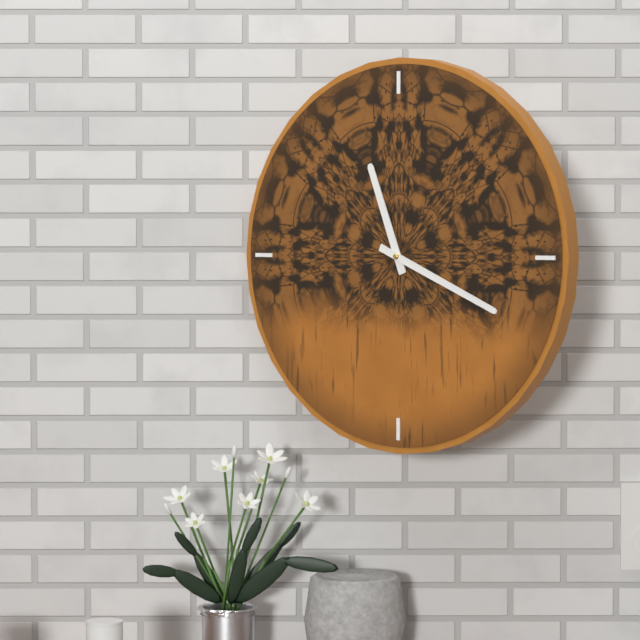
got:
11:19
